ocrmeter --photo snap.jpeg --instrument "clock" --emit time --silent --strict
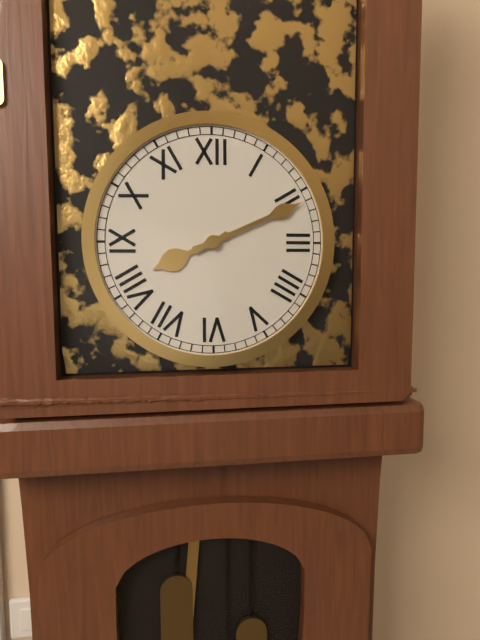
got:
8:11
